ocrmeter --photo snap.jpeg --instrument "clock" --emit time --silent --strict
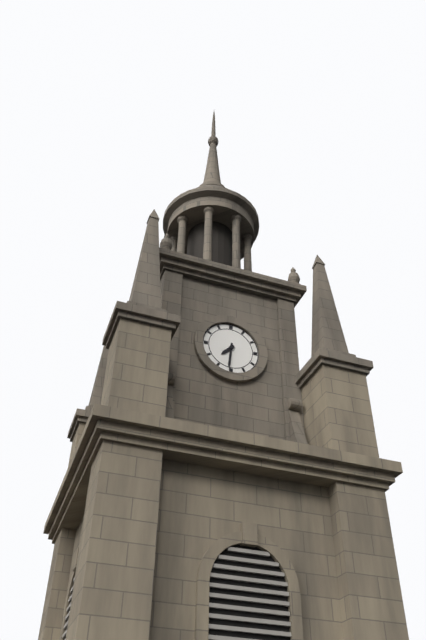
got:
7:31
